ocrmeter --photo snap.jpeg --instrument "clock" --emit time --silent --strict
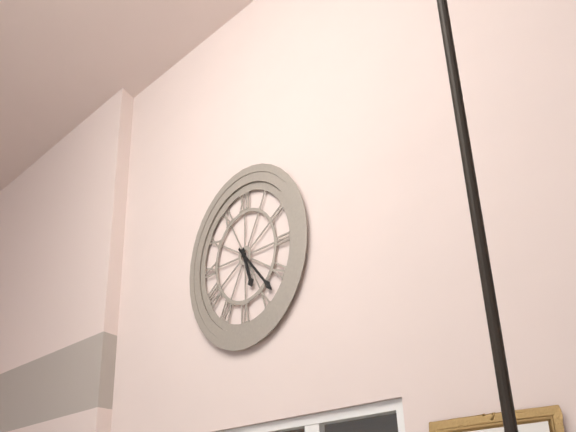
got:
5:23
